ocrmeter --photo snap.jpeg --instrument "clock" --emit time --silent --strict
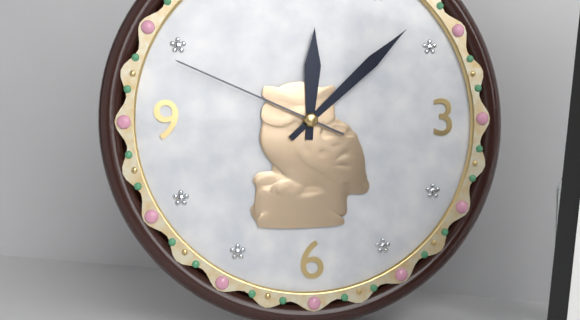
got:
12:08:49
